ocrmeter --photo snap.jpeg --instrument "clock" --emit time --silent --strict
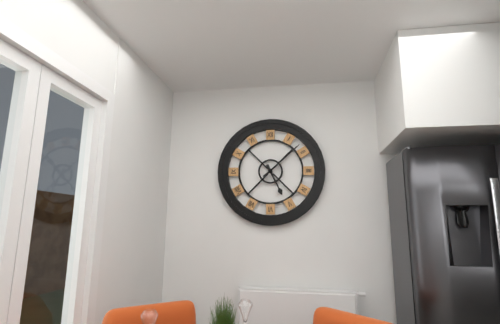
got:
5:08
